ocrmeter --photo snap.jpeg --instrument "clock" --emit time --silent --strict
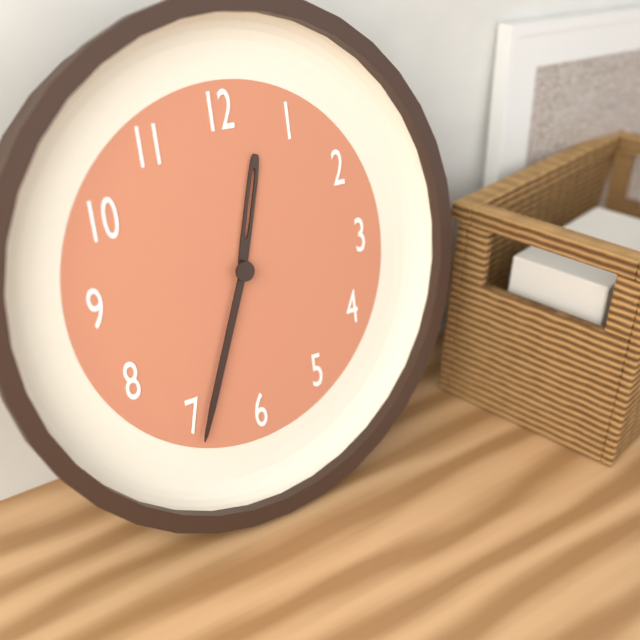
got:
12:34
